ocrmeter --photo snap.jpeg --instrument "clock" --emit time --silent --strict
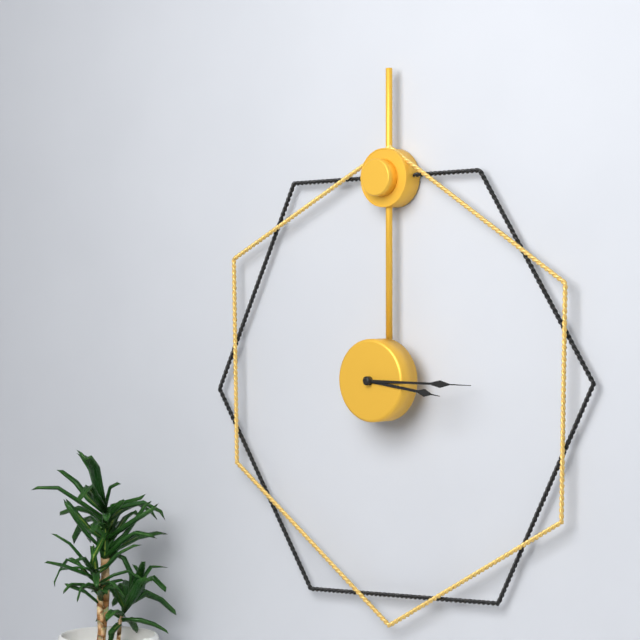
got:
3:15
